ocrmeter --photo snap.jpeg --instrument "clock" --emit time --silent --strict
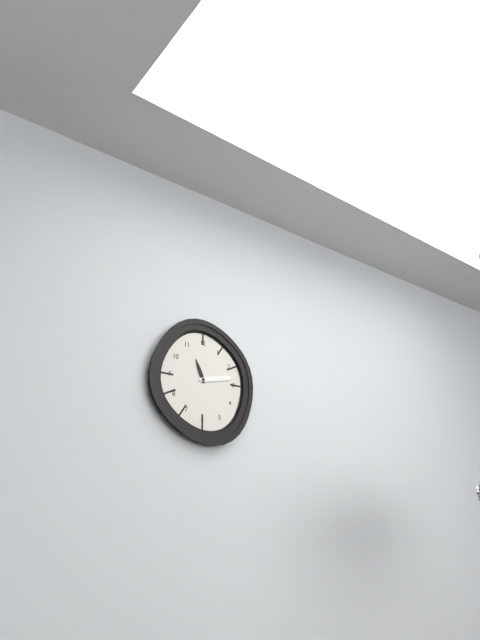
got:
11:13
